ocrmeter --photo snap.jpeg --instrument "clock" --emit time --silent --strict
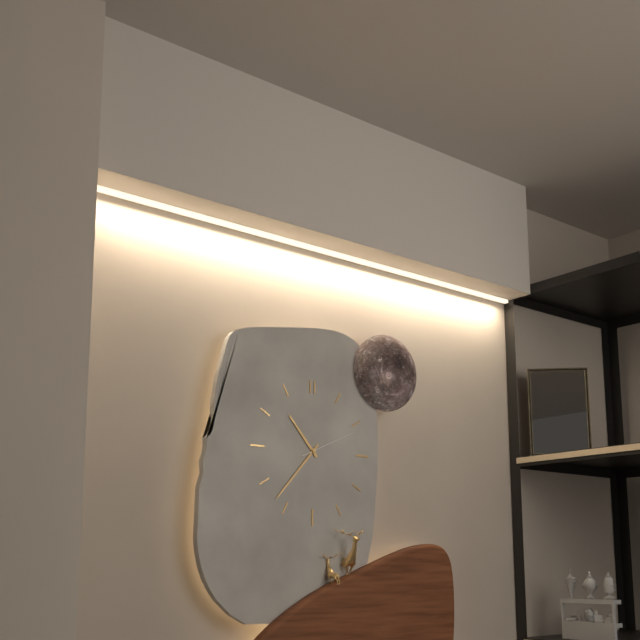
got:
10:37:11
